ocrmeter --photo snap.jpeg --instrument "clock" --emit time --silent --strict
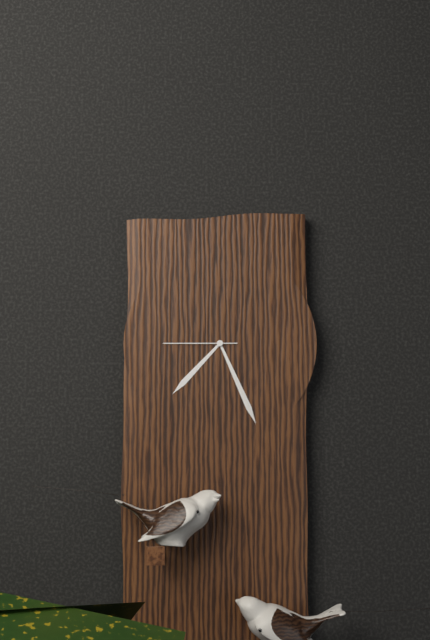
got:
7:26:45
